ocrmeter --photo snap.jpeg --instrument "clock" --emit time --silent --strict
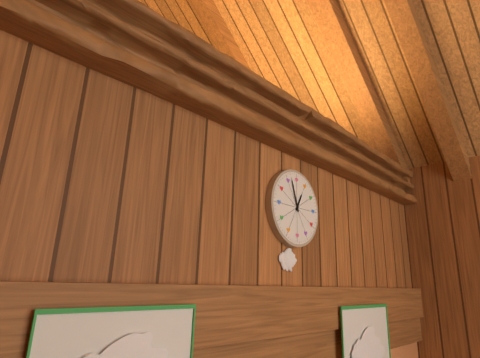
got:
12:57
